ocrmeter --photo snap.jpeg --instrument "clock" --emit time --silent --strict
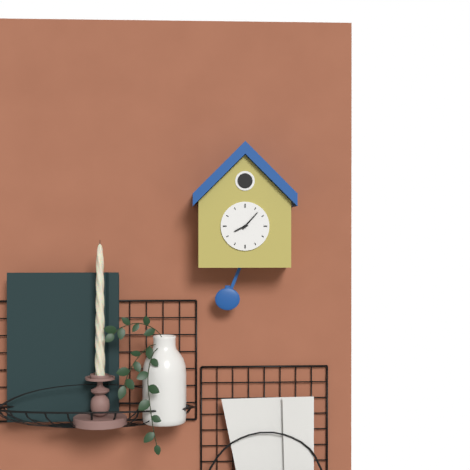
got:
8:07
